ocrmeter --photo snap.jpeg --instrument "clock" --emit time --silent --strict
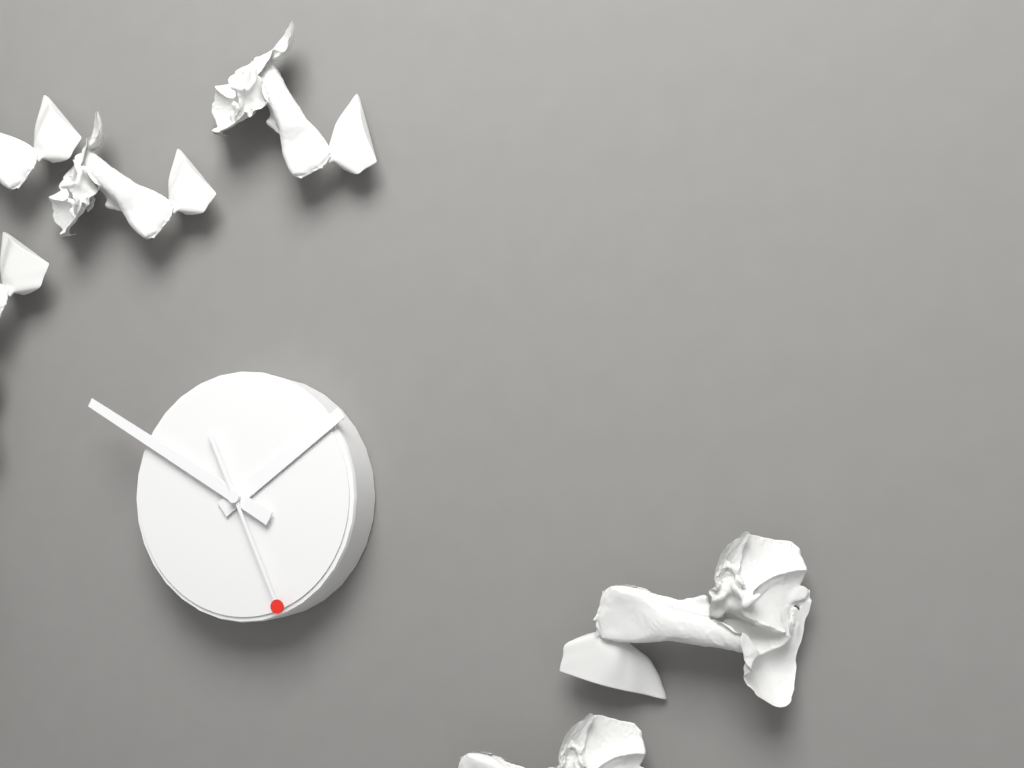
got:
1:50:26
